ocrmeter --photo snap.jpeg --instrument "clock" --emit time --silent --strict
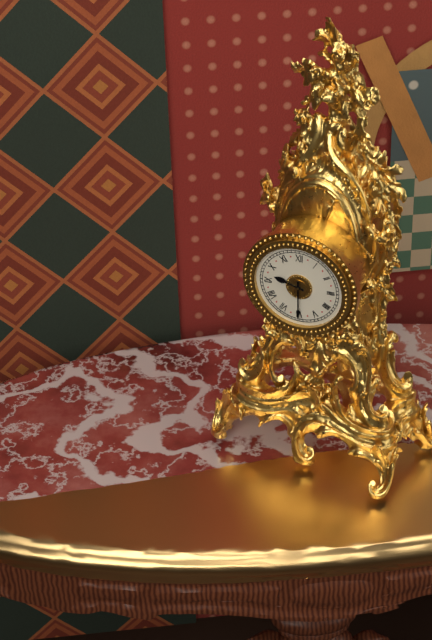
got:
9:30
